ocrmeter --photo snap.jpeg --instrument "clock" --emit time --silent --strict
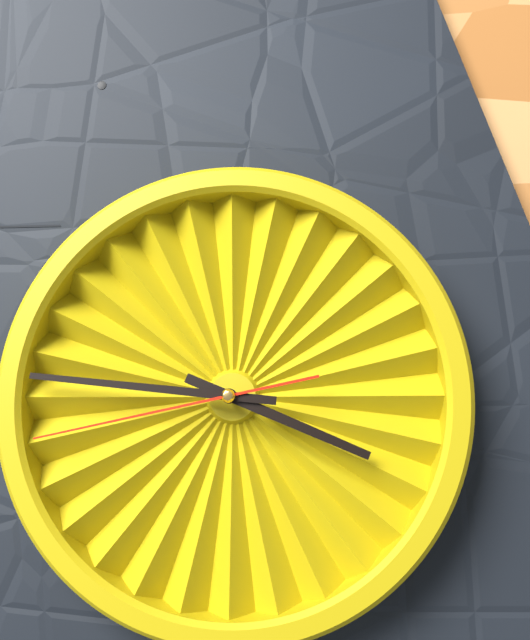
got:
3:46:43
